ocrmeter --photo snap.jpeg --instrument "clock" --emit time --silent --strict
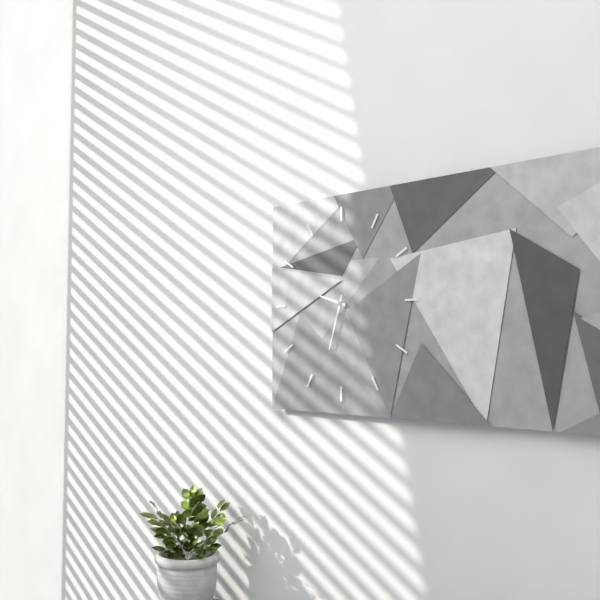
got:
9:33
